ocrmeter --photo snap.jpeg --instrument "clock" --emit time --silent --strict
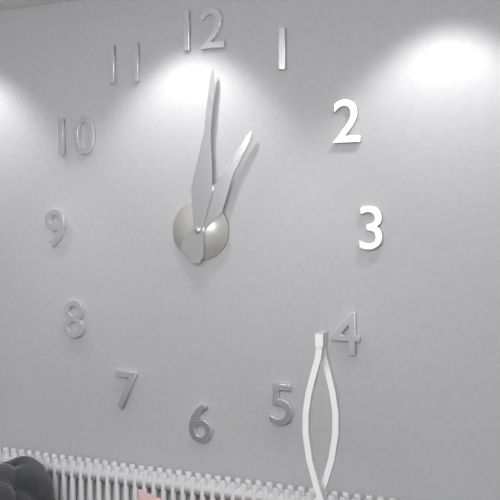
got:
1:01
